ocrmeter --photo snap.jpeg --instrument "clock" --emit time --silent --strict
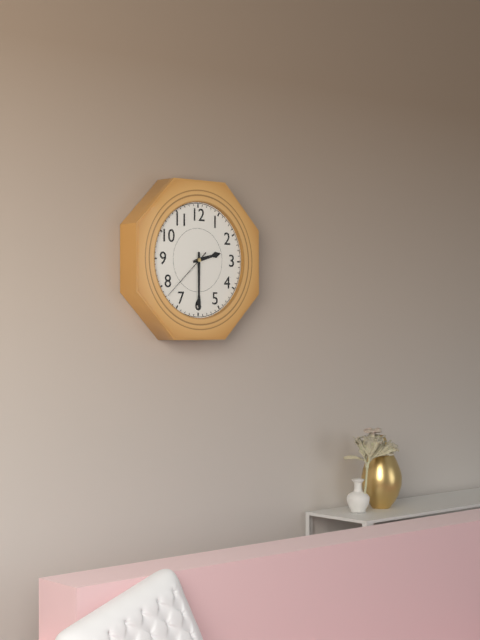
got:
2:30:38
